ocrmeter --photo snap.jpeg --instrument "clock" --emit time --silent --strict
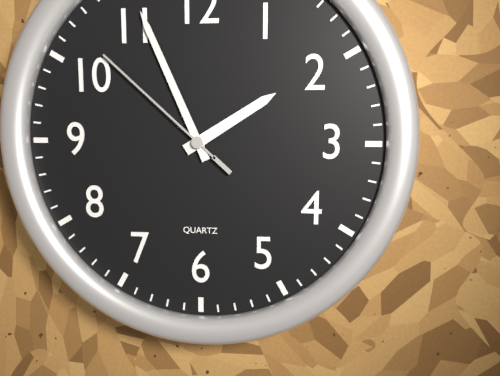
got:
1:56:52
